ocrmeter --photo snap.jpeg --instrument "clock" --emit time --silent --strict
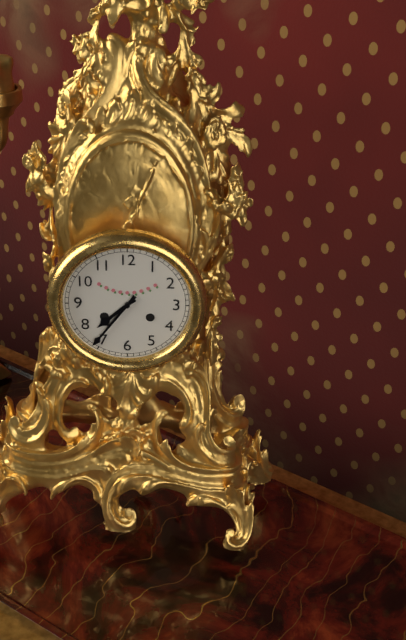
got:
7:36
